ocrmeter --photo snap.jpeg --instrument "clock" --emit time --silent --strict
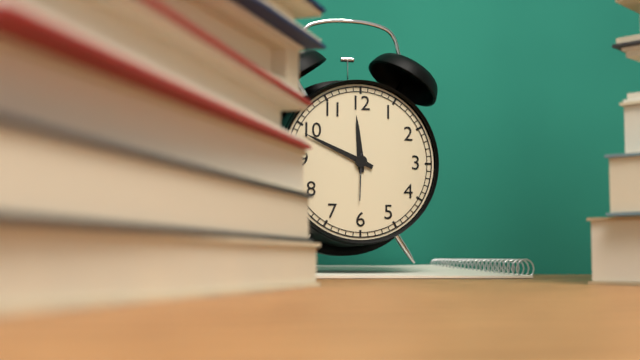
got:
11:49
